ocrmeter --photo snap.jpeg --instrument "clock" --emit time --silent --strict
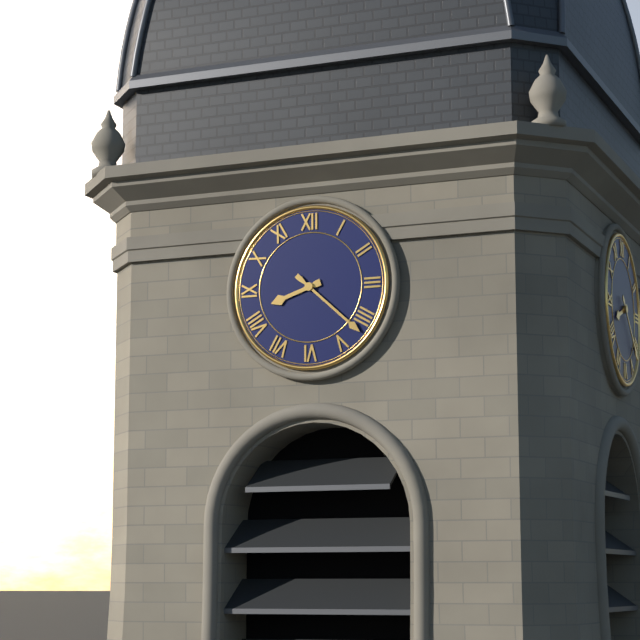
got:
8:22
